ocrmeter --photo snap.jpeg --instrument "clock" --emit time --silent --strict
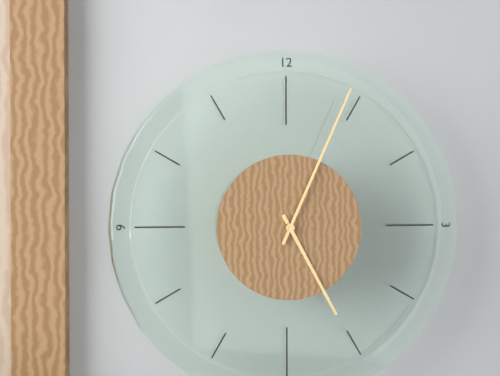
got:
5:04
